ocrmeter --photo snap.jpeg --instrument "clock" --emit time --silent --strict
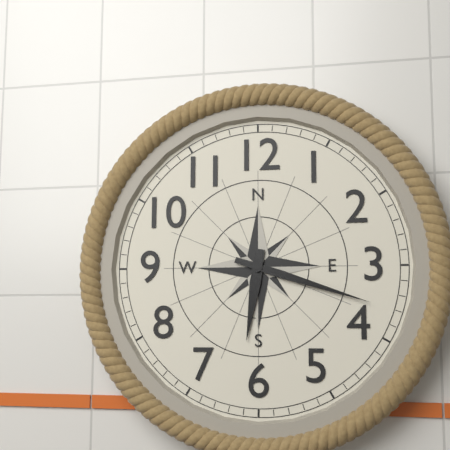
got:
6:18
